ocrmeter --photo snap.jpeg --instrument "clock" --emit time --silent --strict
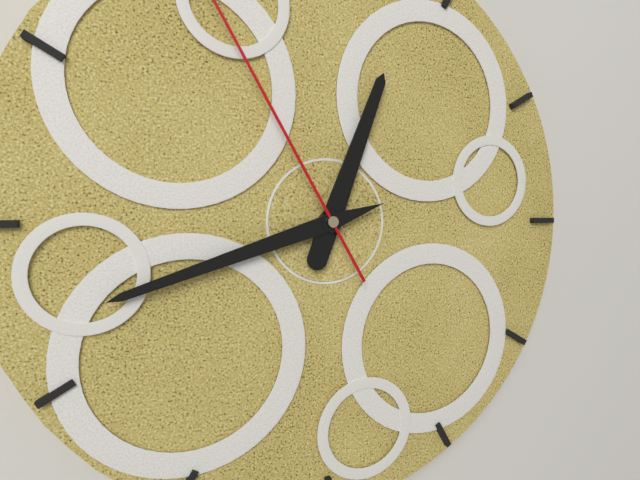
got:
12:42
